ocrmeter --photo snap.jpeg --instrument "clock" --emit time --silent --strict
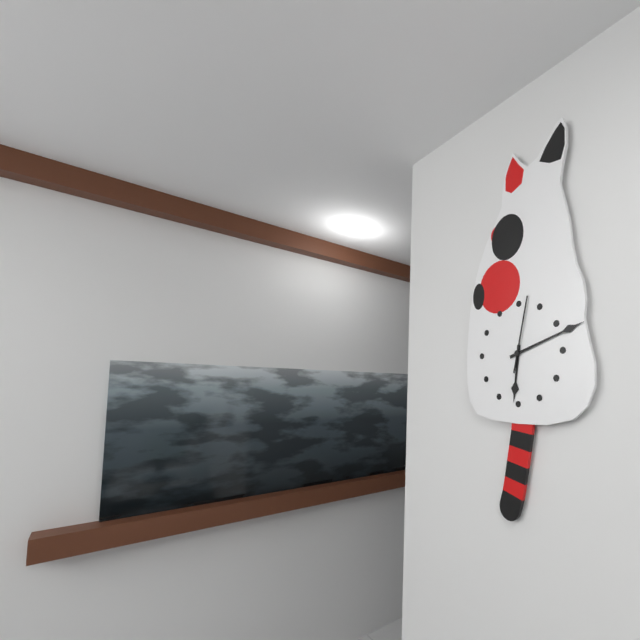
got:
6:12:02
